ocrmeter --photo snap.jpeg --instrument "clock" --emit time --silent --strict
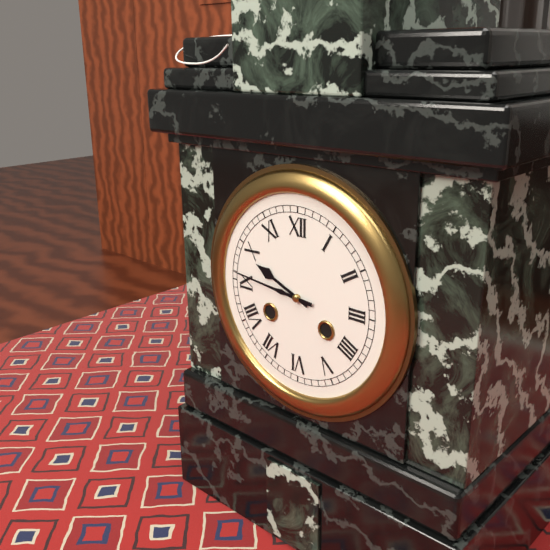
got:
9:46
